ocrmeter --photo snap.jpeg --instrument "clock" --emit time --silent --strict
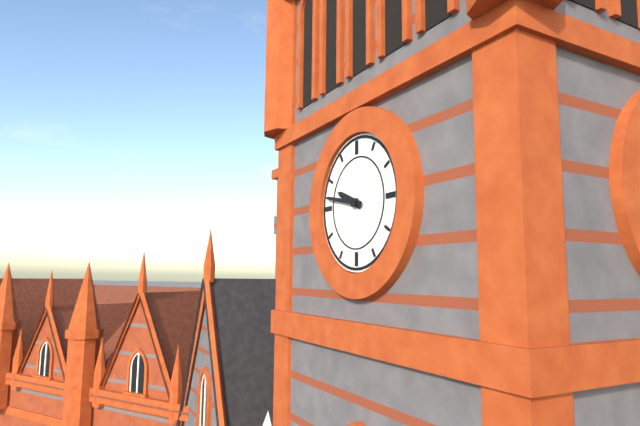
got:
9:47
